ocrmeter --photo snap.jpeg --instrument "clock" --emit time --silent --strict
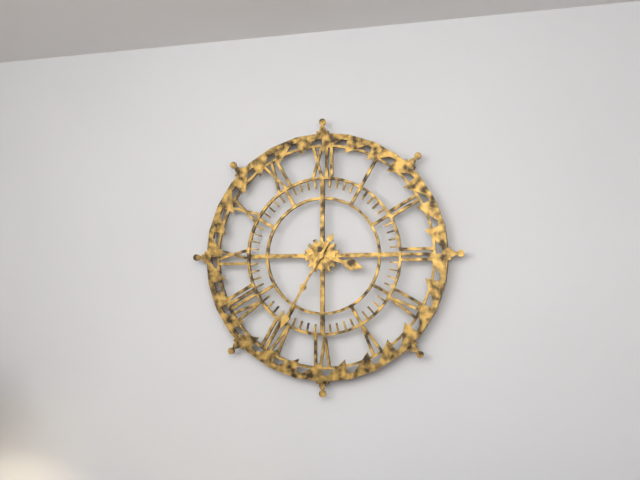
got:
3:35
